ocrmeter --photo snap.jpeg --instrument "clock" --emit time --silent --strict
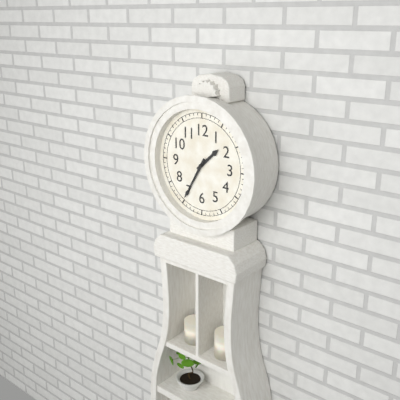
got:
1:35
